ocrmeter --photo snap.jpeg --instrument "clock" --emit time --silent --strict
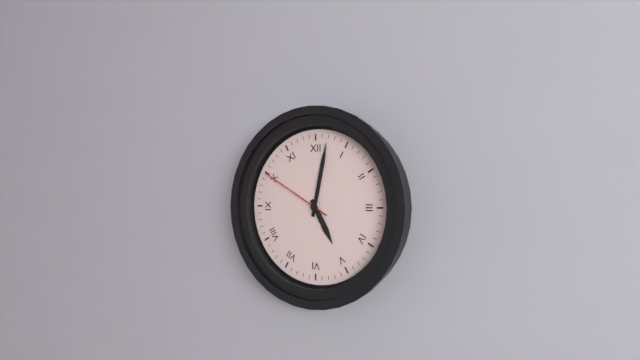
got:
5:02:50
